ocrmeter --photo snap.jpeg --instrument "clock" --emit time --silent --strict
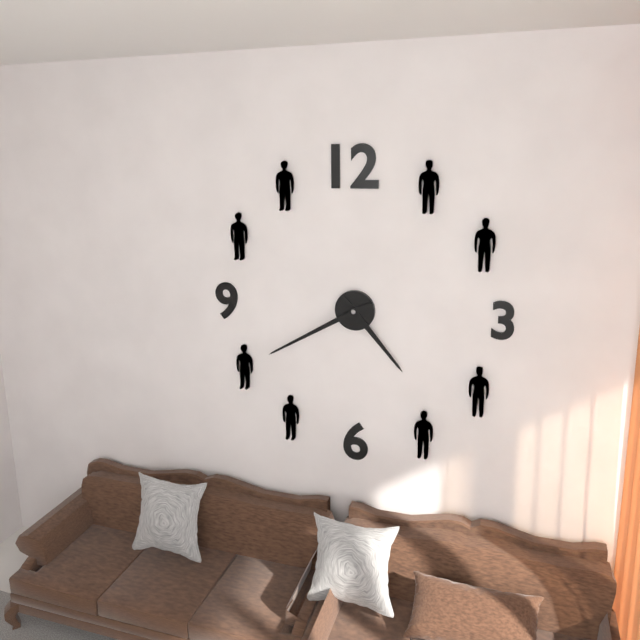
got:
4:40
